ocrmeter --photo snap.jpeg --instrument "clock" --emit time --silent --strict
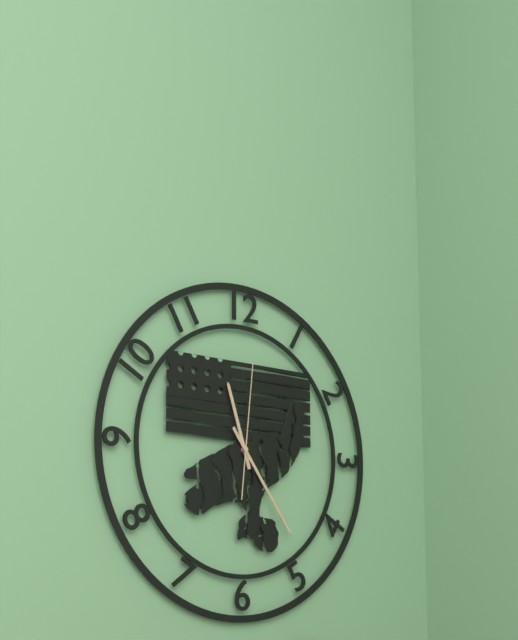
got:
11:24:01
